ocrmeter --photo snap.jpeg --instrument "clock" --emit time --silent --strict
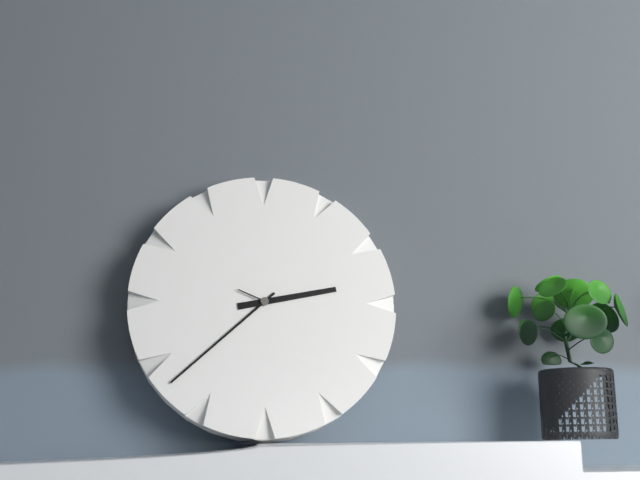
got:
2:38
